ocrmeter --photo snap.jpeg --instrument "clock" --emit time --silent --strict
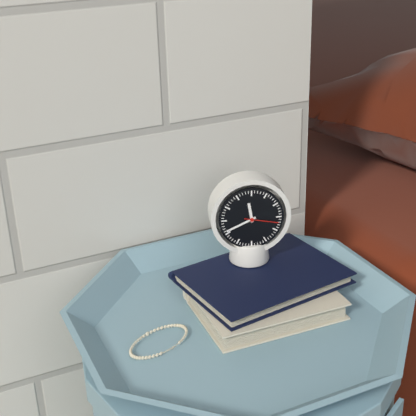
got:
11:41
